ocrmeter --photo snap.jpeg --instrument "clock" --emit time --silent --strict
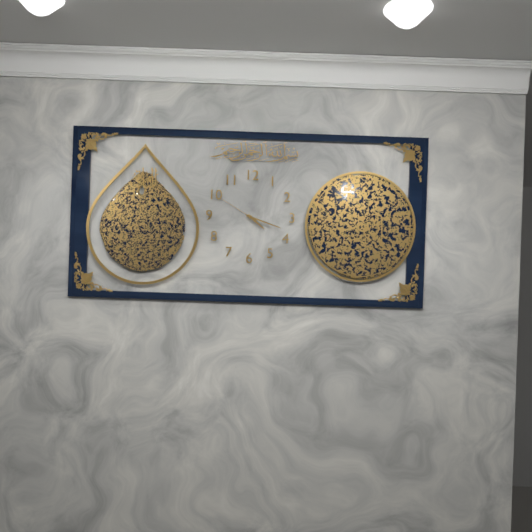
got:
4:18
